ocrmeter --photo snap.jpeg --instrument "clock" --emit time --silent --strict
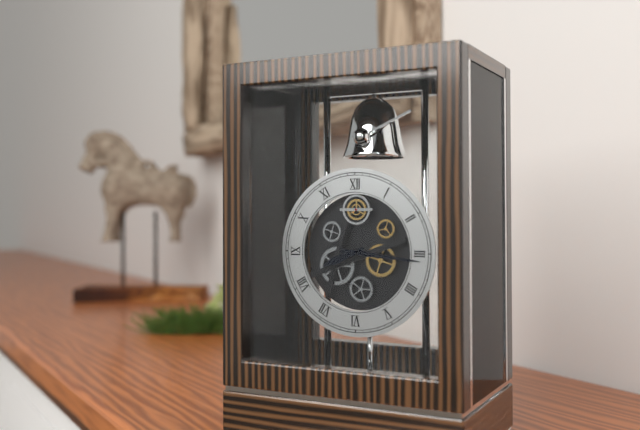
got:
8:16
